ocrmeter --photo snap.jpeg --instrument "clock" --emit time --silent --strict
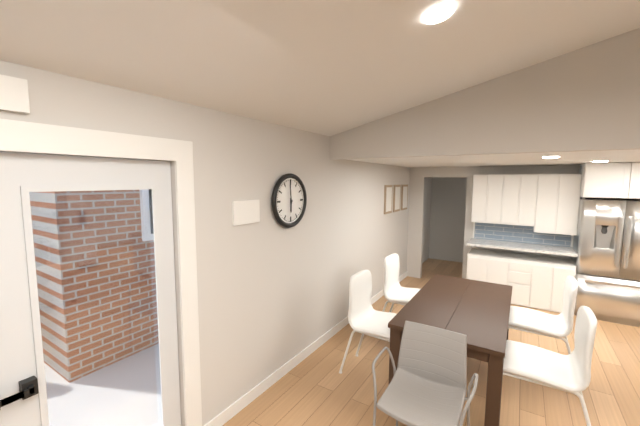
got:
5:59
